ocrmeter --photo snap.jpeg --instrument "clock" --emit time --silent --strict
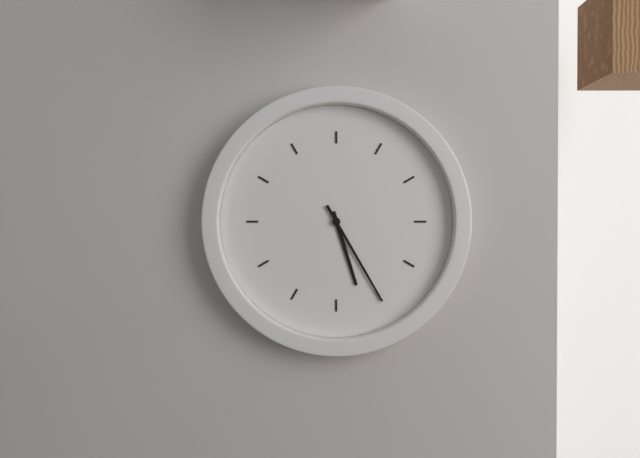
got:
5:25
